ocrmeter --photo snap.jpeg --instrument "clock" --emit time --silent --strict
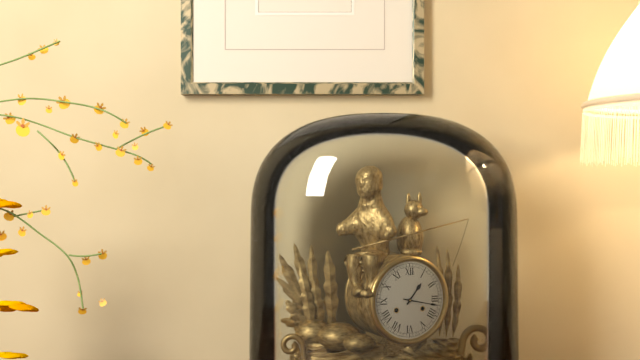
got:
1:17
